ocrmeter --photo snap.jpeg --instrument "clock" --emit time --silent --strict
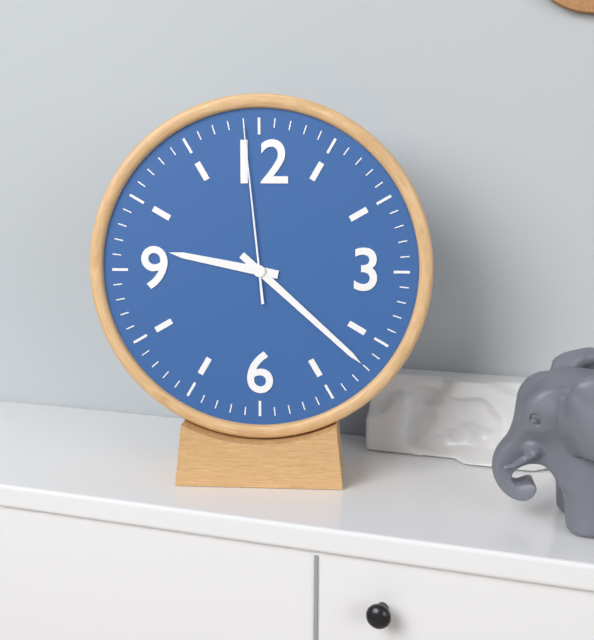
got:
9:22:59
